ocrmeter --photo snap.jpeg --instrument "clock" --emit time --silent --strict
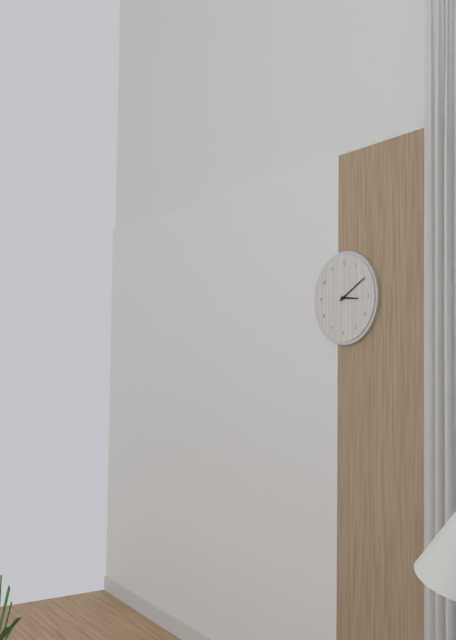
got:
3:10
